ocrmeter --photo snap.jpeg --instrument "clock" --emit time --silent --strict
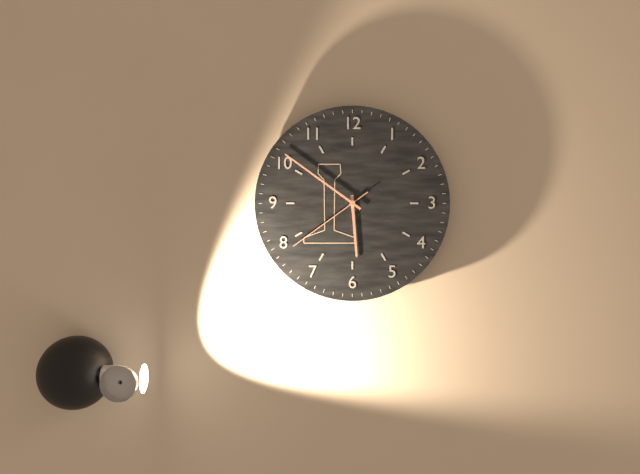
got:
5:51:39
